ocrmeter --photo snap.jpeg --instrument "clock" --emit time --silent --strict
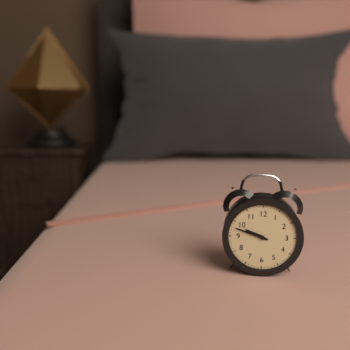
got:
9:48
